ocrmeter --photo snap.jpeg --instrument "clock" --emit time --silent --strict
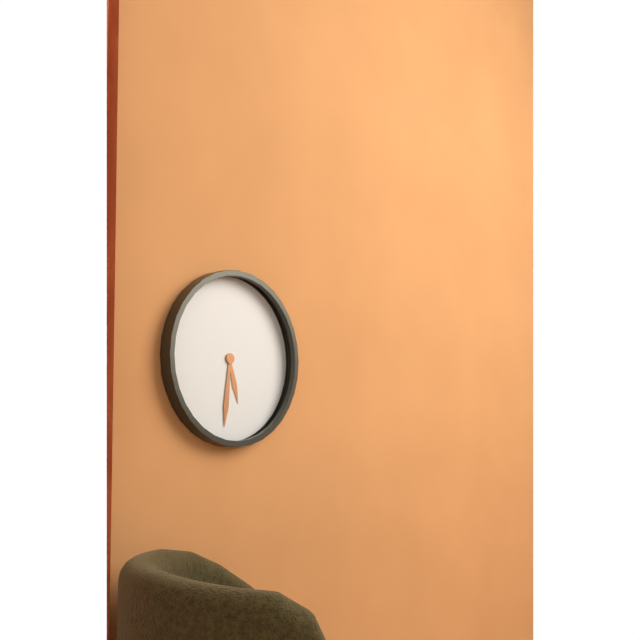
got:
5:31
